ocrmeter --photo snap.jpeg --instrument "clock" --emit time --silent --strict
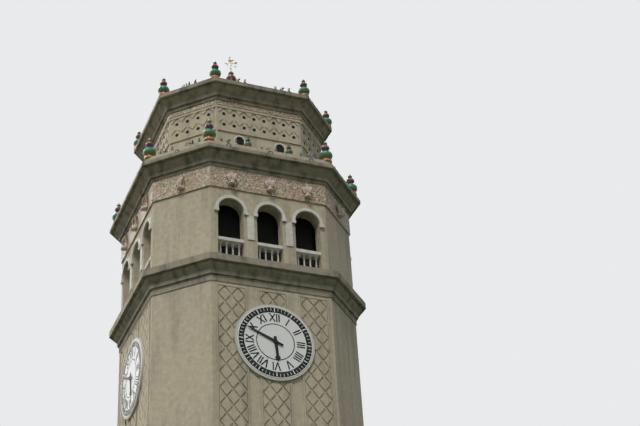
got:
5:49
